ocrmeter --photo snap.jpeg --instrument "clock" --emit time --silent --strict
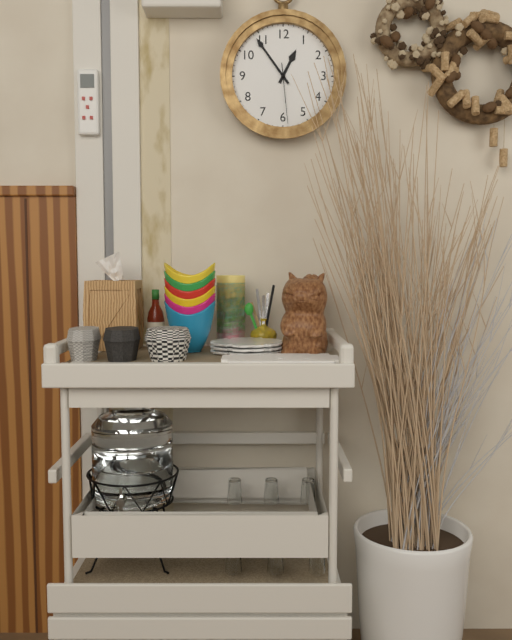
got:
12:54:29
